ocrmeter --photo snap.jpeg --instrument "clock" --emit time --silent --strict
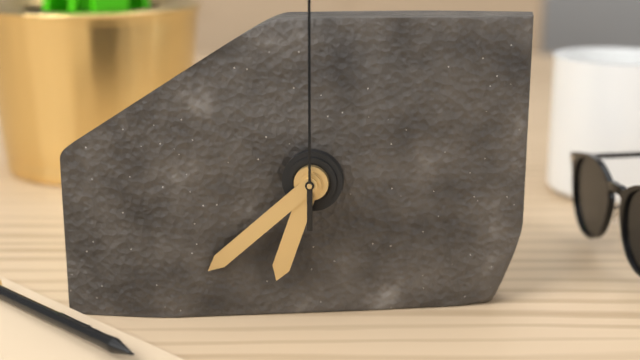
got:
6:38
